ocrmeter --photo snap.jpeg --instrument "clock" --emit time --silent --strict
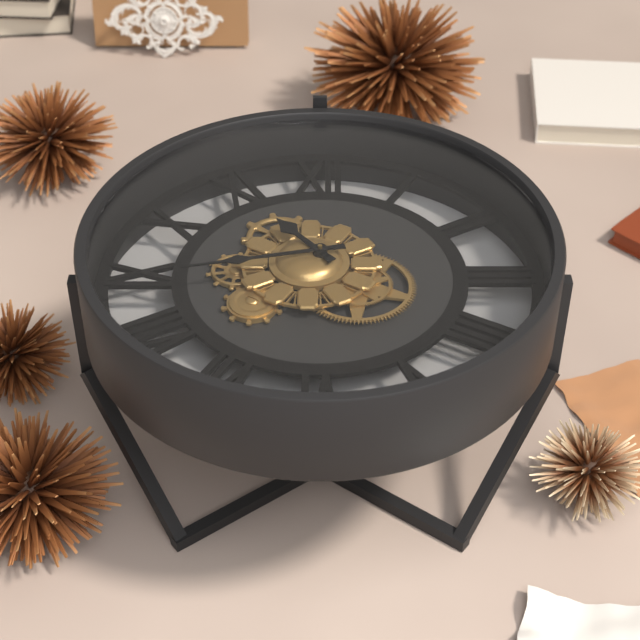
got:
10:43
